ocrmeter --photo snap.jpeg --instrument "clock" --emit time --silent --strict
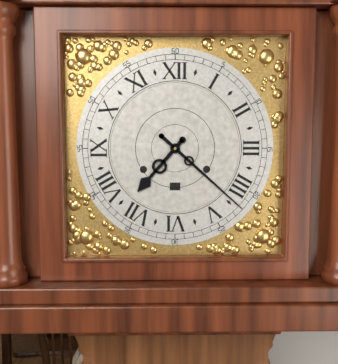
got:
7:22
